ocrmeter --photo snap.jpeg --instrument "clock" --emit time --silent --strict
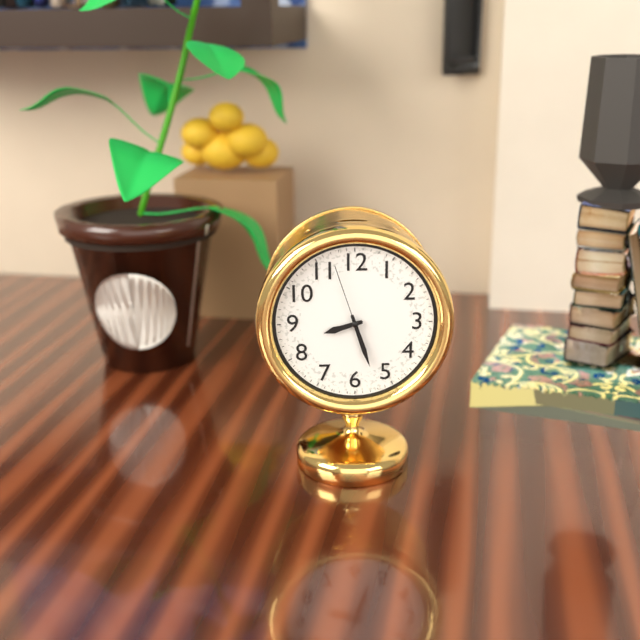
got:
8:27:57
